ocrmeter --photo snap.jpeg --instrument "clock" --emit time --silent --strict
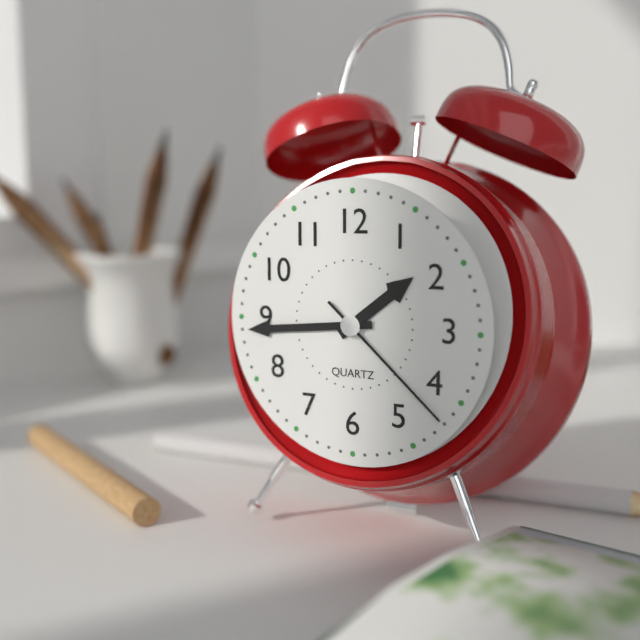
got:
1:44:22
